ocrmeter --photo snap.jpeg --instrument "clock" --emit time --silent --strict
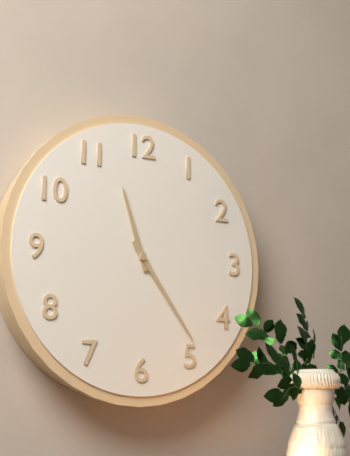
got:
11:24
